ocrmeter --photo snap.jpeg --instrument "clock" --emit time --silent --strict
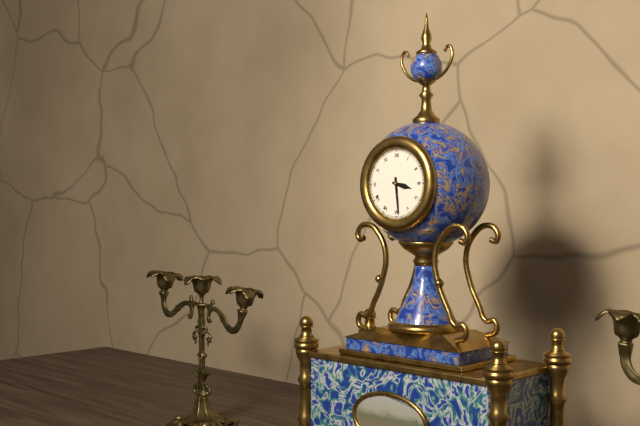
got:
3:29
